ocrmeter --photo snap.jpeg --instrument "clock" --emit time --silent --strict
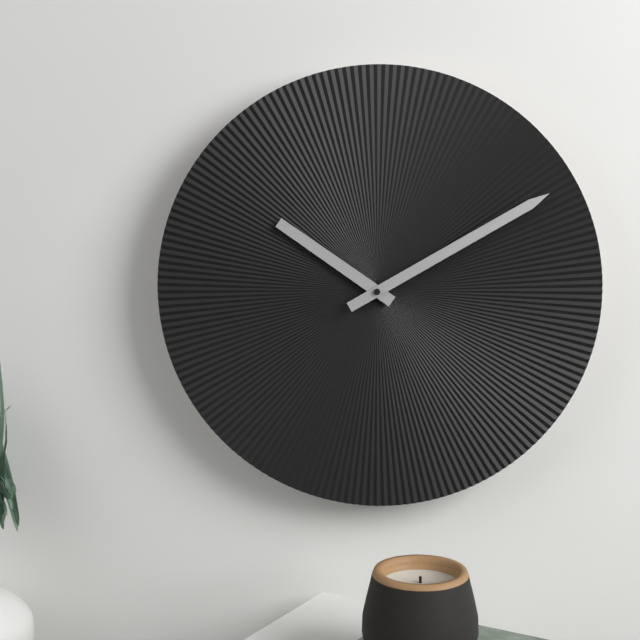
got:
10:10
